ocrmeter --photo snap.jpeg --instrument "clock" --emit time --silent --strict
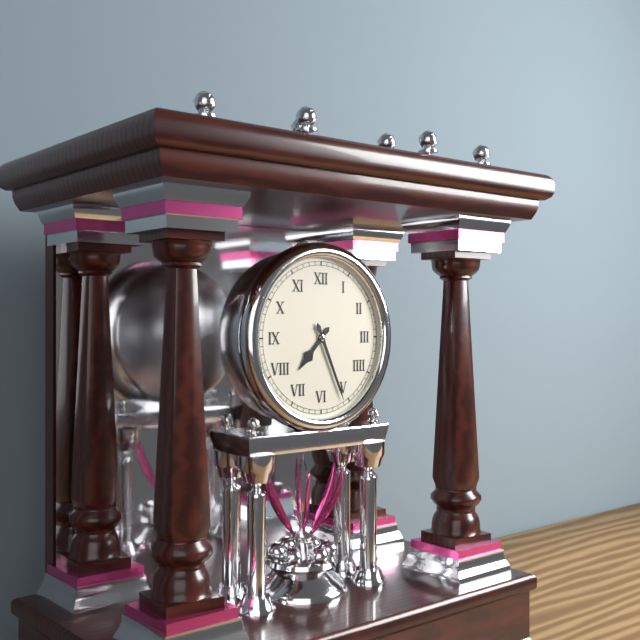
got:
7:26
